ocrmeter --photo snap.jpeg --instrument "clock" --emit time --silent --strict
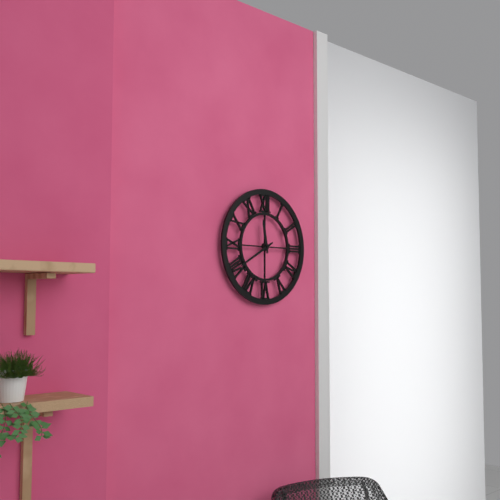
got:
11:40
